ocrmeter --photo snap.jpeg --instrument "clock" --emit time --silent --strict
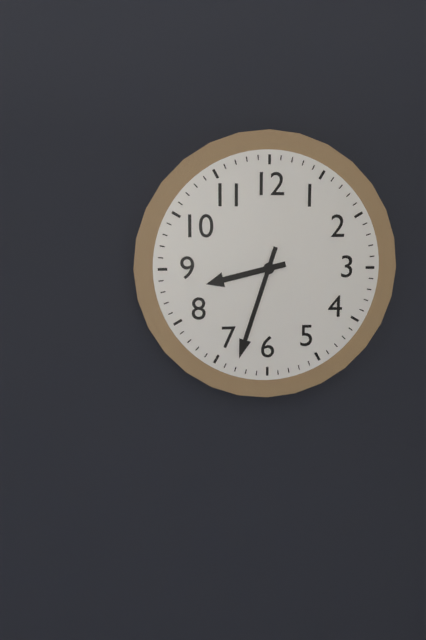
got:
8:33
